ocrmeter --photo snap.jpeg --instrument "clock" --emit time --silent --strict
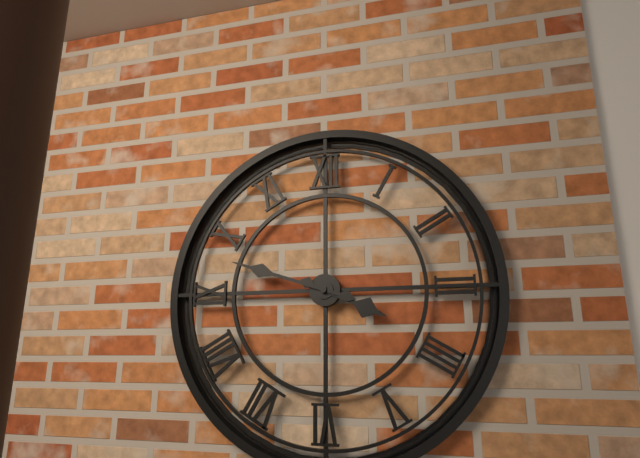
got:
3:48
